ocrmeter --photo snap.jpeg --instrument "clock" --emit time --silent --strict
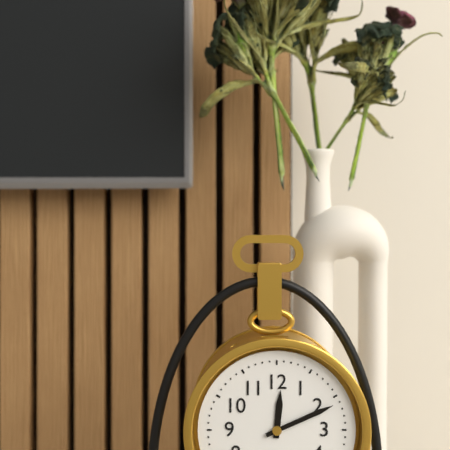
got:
12:11
